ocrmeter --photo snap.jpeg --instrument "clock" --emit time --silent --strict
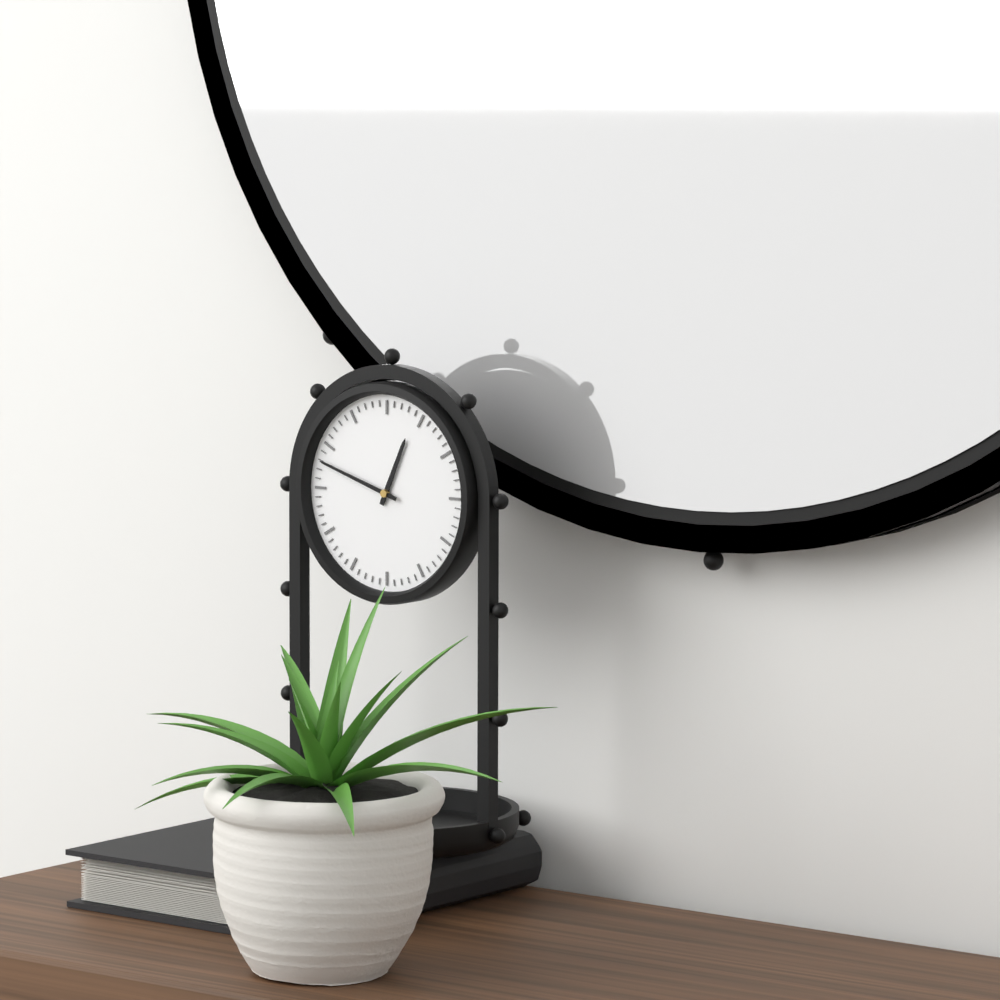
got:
12:48
